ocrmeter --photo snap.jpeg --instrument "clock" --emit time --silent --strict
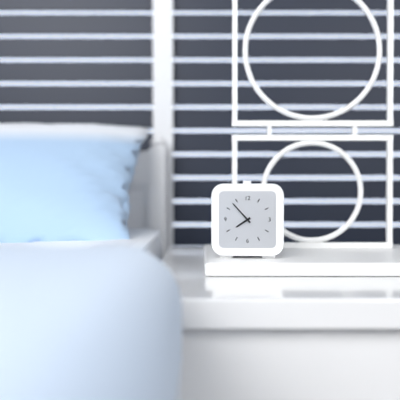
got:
7:53
